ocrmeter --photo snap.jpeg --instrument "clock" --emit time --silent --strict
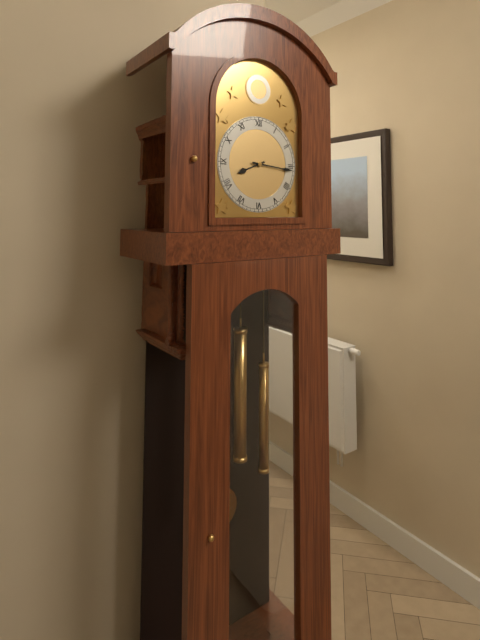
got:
8:16
